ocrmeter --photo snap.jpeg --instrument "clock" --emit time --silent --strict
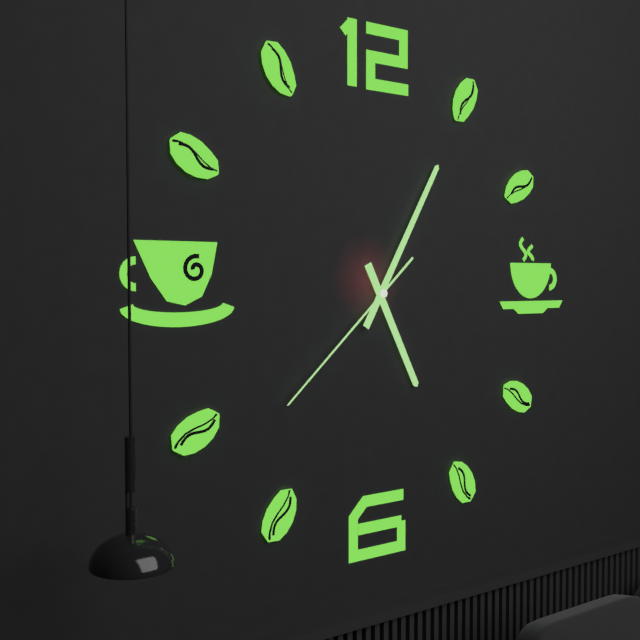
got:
5:05:38
